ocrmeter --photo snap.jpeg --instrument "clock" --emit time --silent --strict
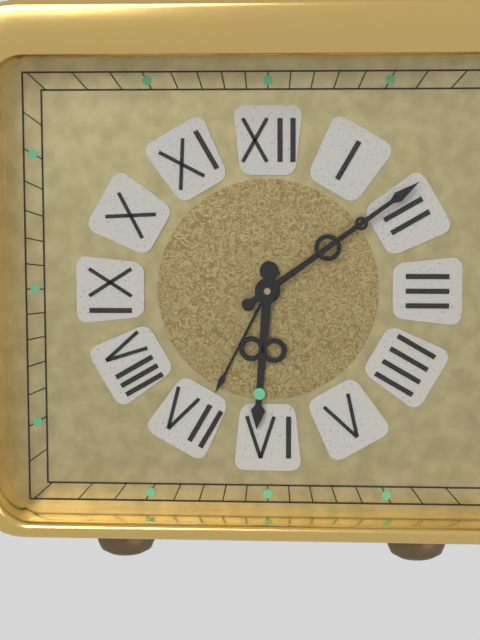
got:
6:09
